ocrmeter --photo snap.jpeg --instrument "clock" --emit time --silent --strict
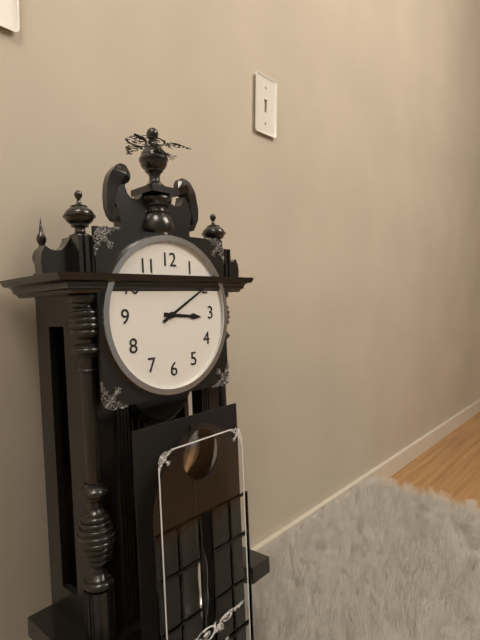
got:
3:10
